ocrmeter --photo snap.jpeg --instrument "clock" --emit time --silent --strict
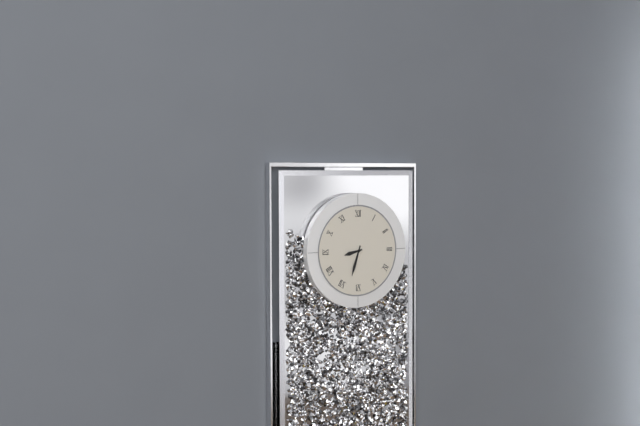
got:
8:33
